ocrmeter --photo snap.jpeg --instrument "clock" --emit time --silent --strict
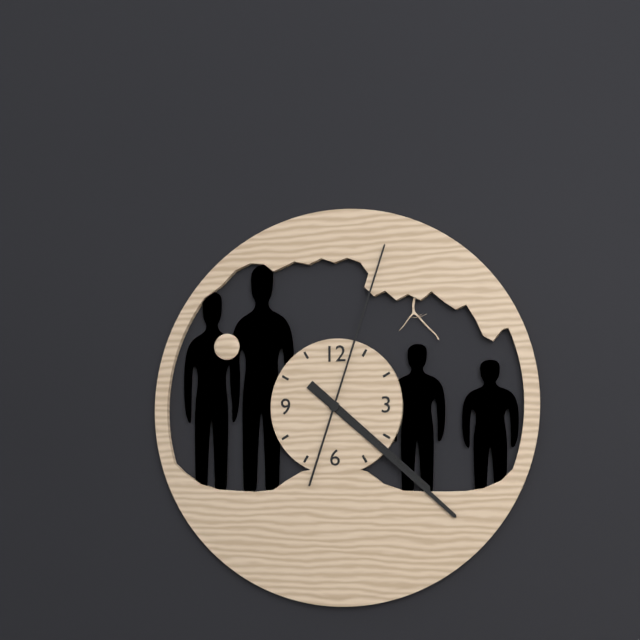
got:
4:22:03
